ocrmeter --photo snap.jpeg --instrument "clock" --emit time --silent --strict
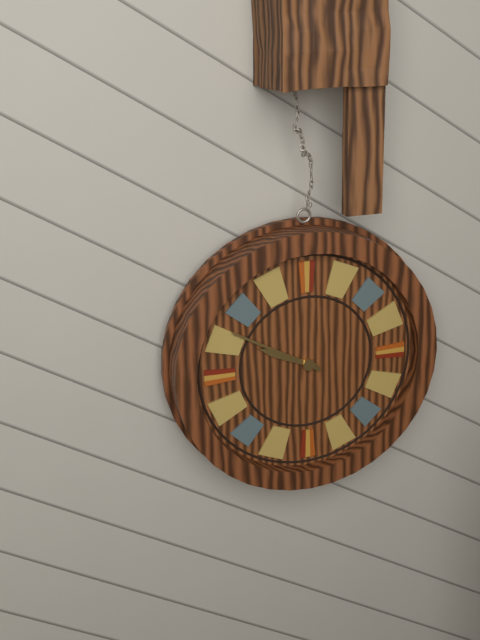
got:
9:50
